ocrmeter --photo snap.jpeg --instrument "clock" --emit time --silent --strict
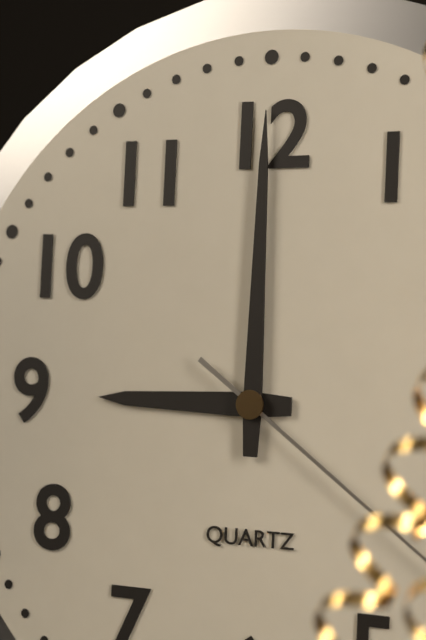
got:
9:00
